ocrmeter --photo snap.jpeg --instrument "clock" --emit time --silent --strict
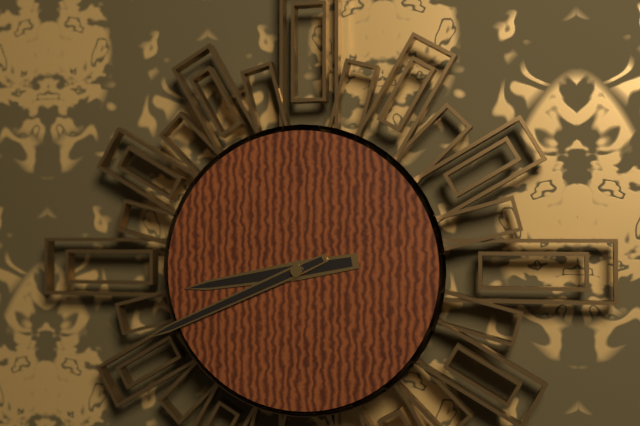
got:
8:41
